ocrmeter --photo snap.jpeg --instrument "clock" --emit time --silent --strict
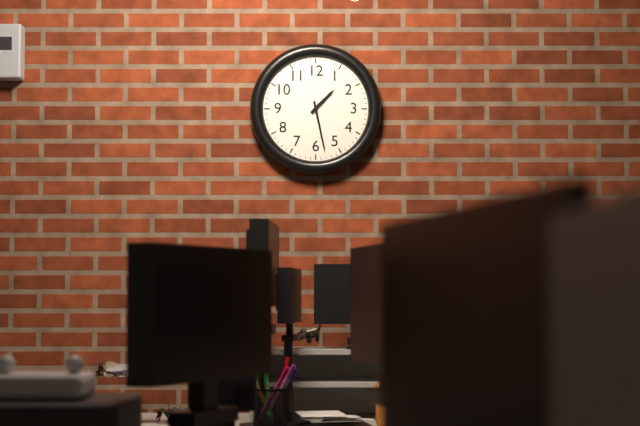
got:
1:28
